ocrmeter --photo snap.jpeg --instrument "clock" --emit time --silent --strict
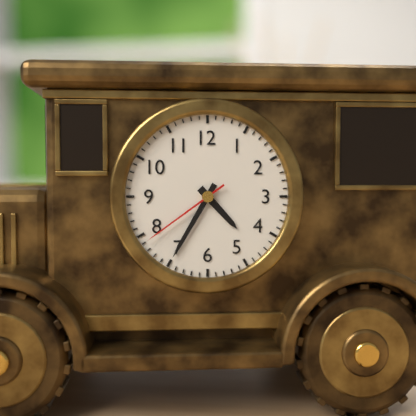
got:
4:35:39
